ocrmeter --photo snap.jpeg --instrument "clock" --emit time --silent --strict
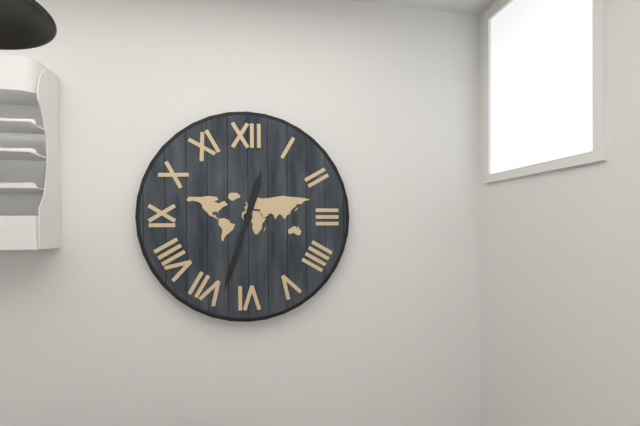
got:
12:33
